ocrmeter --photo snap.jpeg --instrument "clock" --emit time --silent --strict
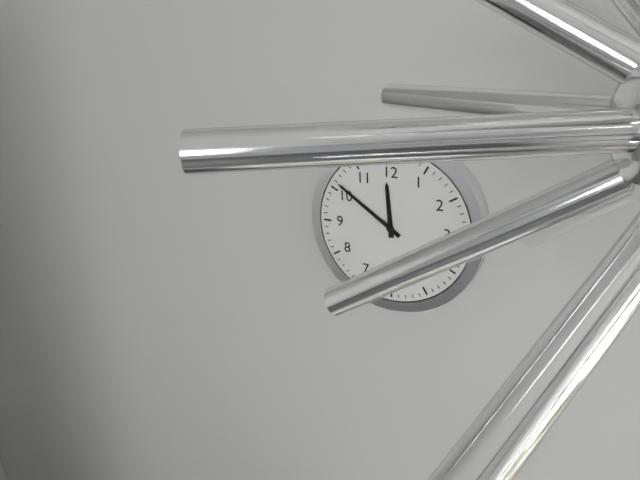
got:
11:51
